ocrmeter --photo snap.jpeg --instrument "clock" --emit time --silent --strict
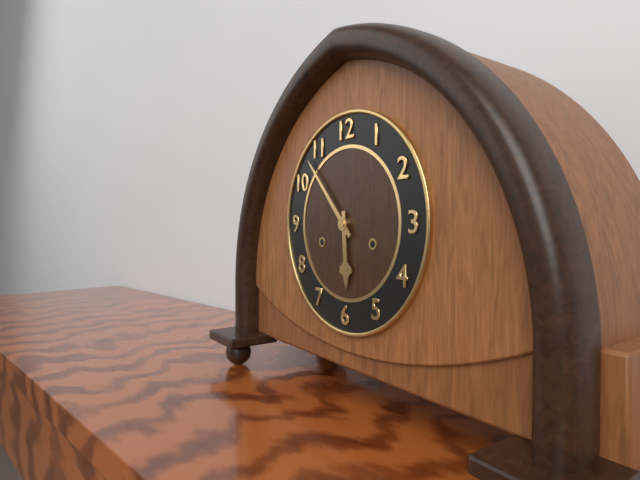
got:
5:53
